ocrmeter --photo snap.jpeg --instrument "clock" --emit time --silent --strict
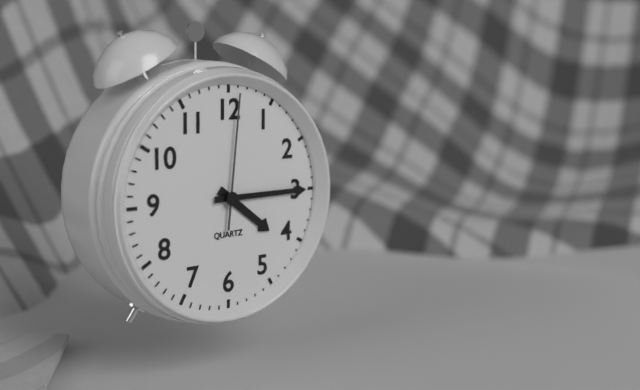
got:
4:15:01
